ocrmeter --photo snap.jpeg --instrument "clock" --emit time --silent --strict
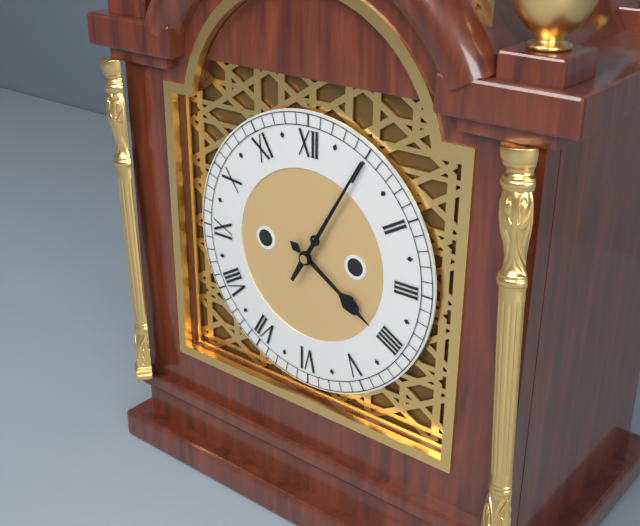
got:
4:05
